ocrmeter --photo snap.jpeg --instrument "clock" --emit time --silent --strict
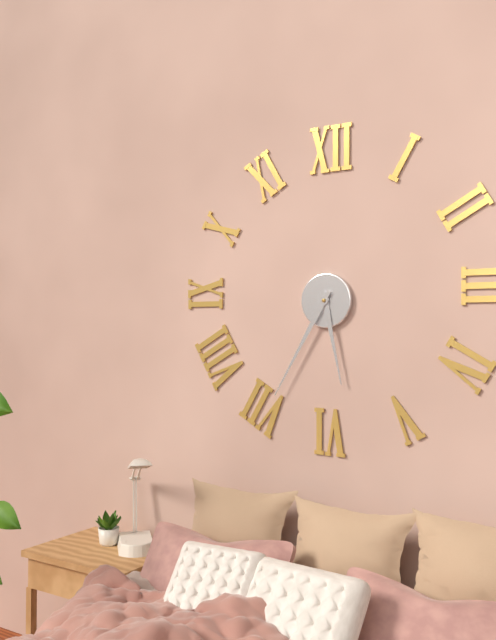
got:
5:35
